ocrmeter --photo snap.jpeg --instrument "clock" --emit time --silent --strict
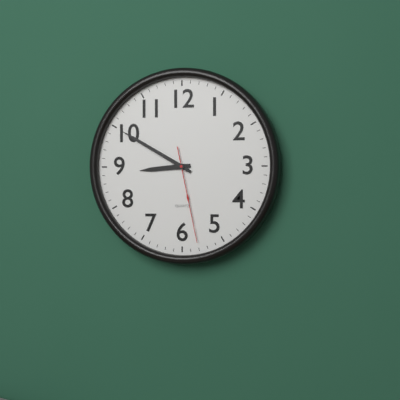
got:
8:50:28
